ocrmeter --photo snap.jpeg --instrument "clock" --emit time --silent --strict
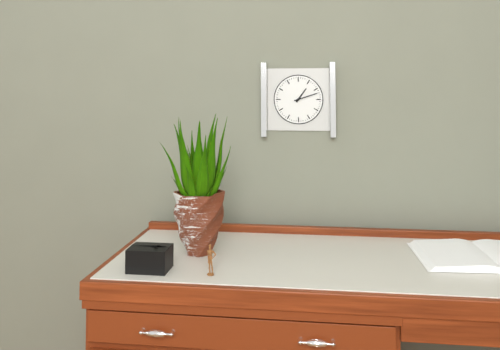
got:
1:12
